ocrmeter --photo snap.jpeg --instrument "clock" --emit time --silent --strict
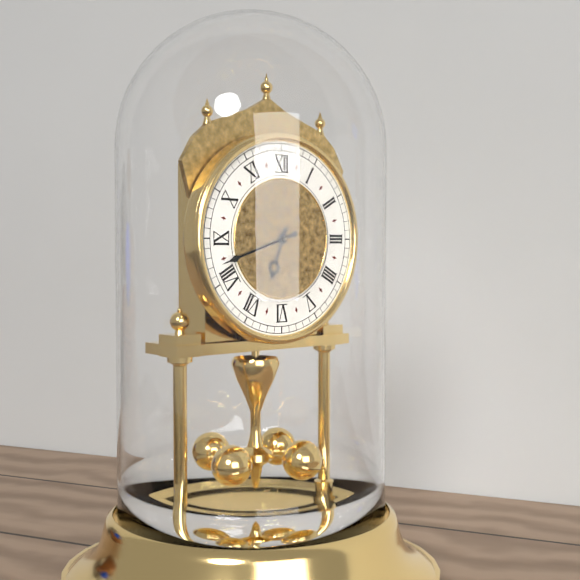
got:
6:42
